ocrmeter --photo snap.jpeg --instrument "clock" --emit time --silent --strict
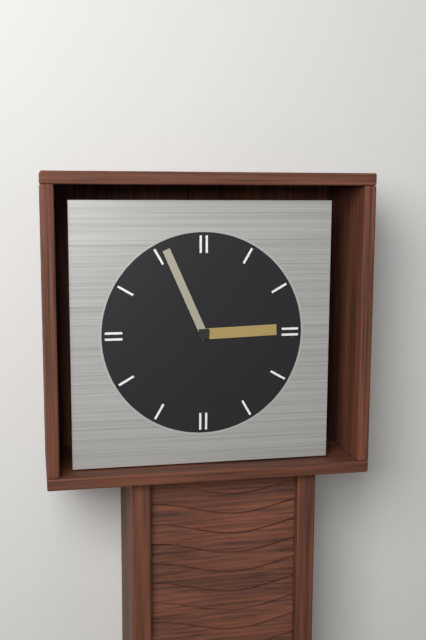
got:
2:56
